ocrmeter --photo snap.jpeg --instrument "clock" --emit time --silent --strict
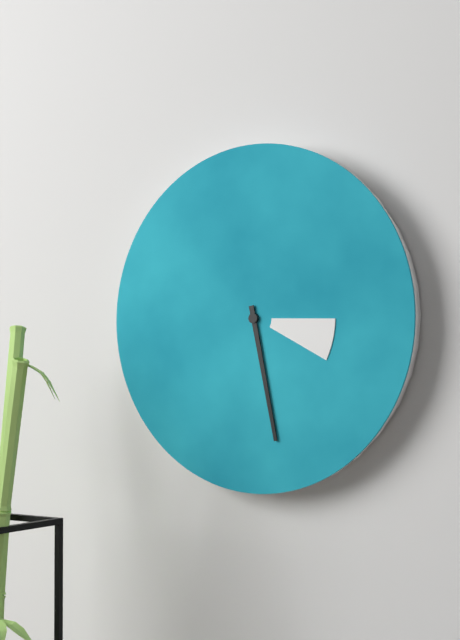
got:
3:28
